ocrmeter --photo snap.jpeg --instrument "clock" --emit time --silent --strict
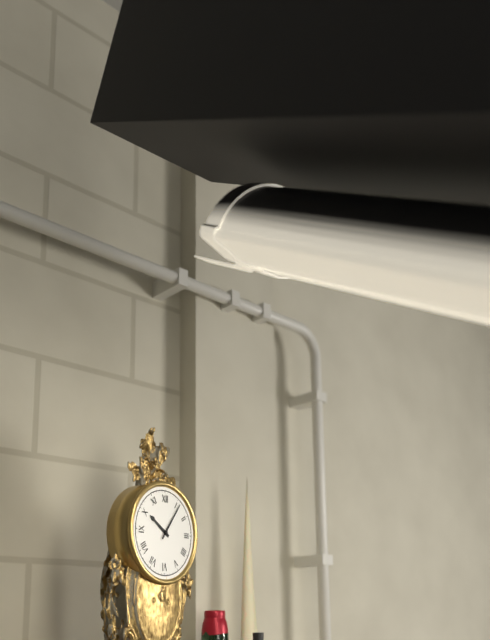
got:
10:06
